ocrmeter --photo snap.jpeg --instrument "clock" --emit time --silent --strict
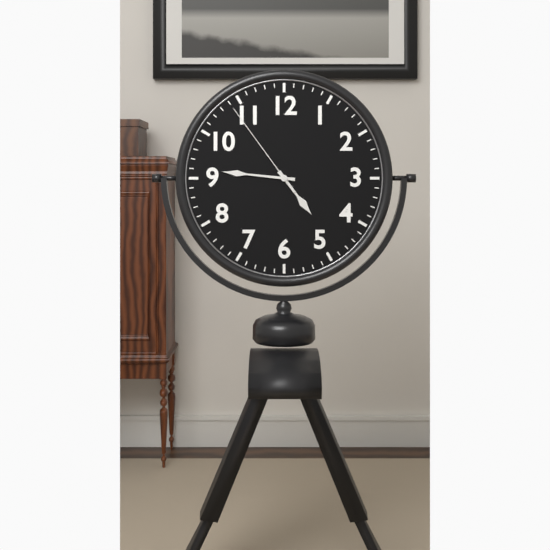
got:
4:46:54
